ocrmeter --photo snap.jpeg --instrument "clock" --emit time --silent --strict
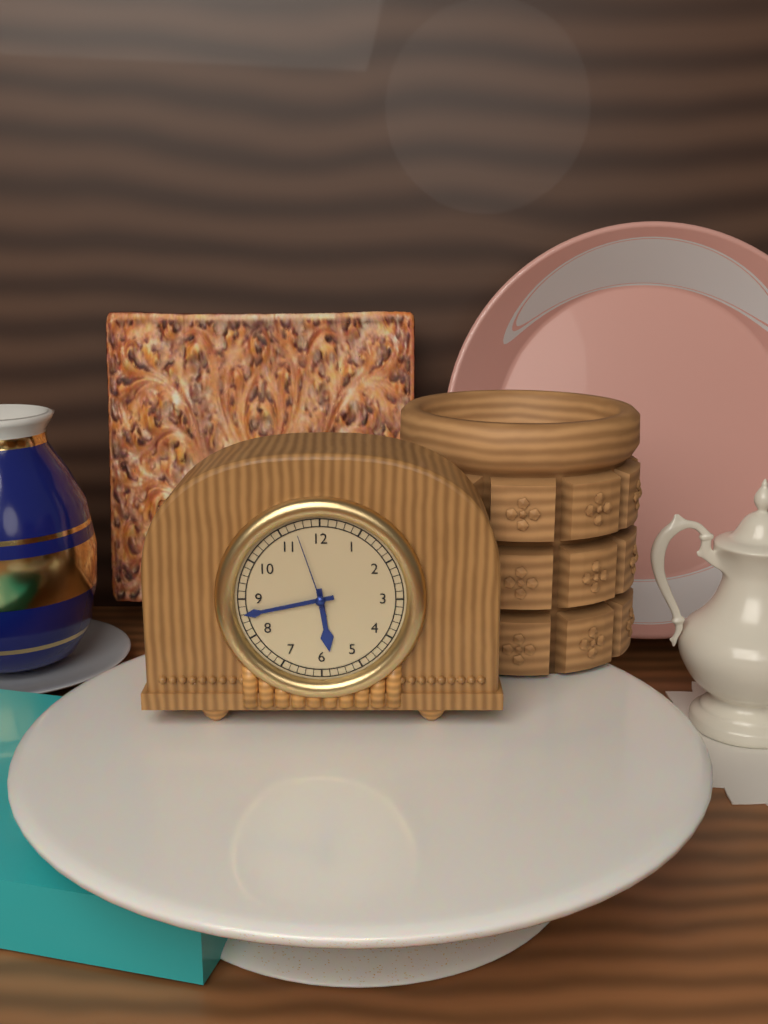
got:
5:43:57
